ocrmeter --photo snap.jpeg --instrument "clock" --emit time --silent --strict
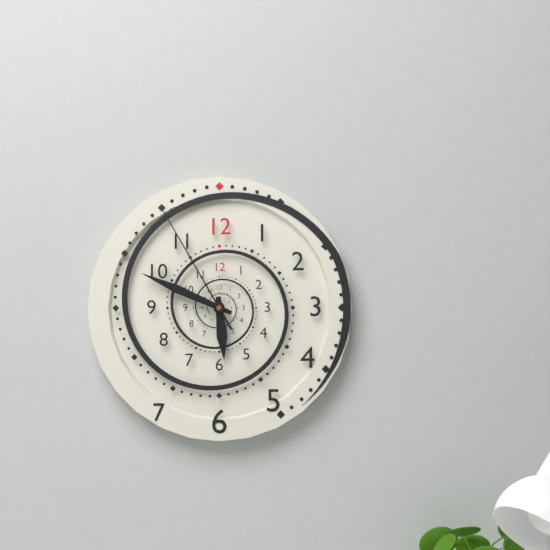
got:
5:49:55
